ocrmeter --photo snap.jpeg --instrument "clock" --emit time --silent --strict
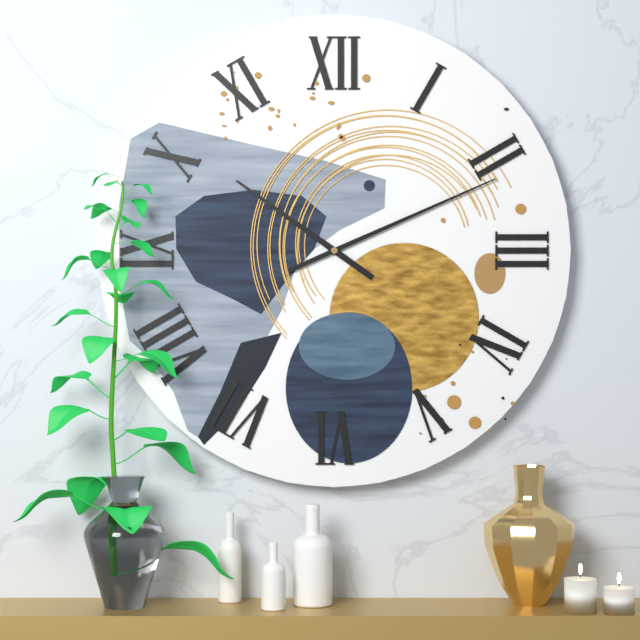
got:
10:11
